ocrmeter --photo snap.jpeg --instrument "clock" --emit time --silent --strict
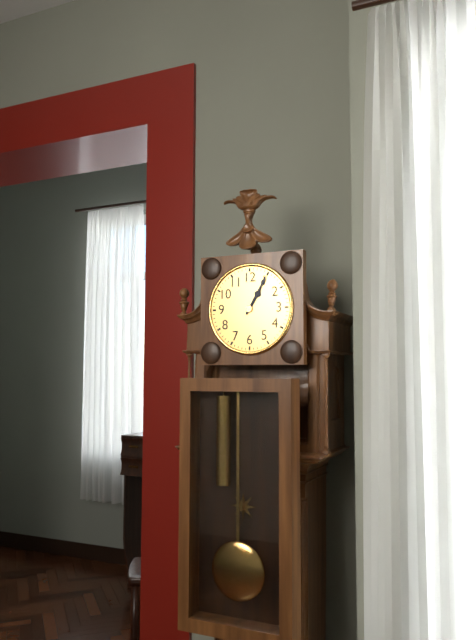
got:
1:05
